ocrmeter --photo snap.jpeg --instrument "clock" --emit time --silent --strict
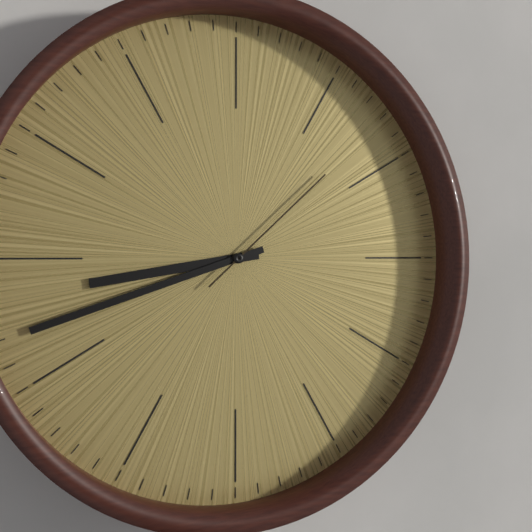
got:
8:42:08
